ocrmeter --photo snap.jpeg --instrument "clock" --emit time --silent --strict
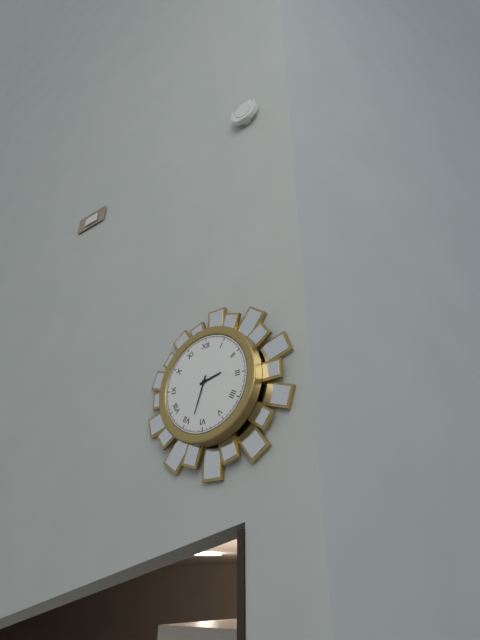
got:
2:33
